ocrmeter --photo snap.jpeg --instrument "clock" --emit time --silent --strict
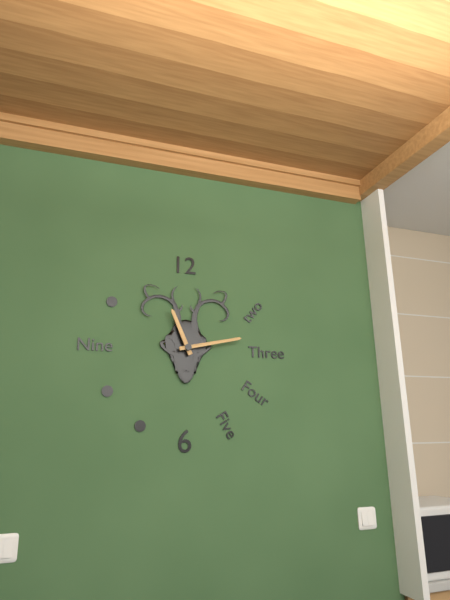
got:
11:13
